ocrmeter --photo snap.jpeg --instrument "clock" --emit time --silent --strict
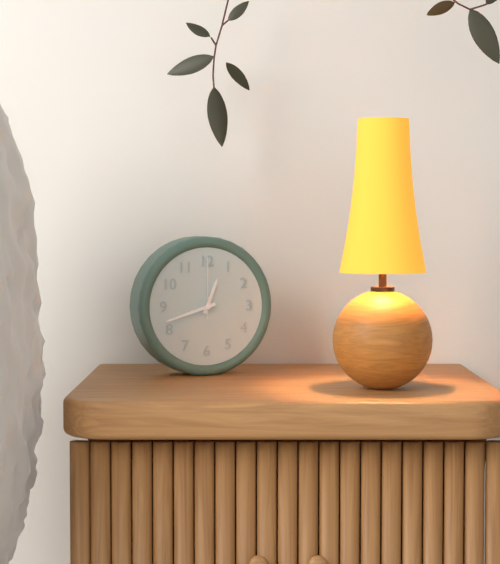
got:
12:42:00
